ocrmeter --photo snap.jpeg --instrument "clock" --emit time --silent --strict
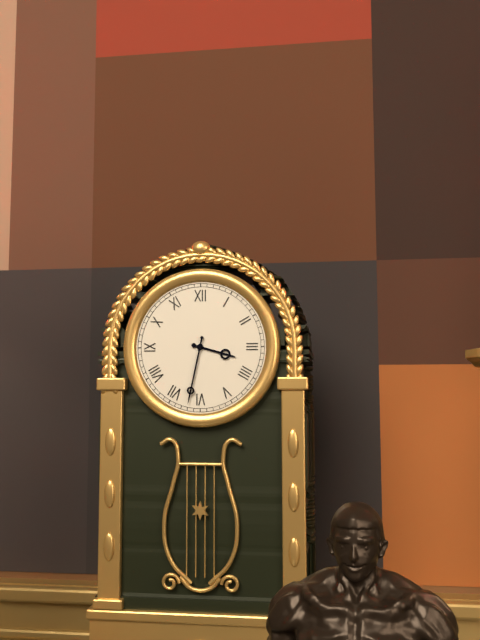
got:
3:32
